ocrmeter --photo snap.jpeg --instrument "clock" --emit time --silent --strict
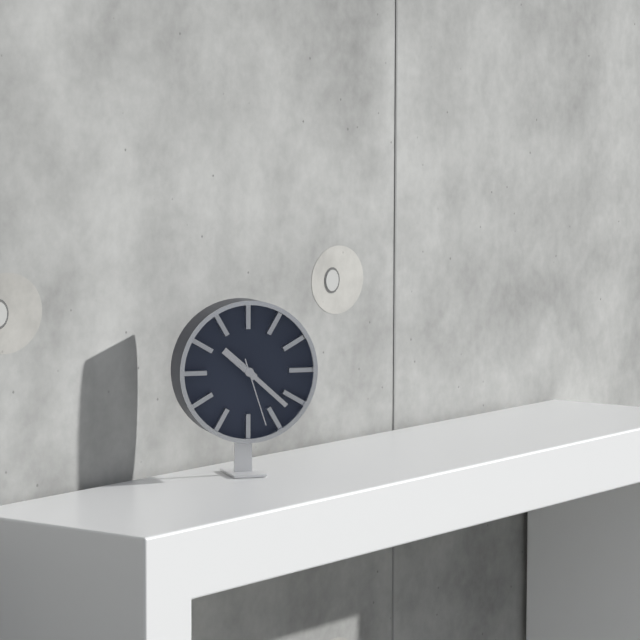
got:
10:22:27
